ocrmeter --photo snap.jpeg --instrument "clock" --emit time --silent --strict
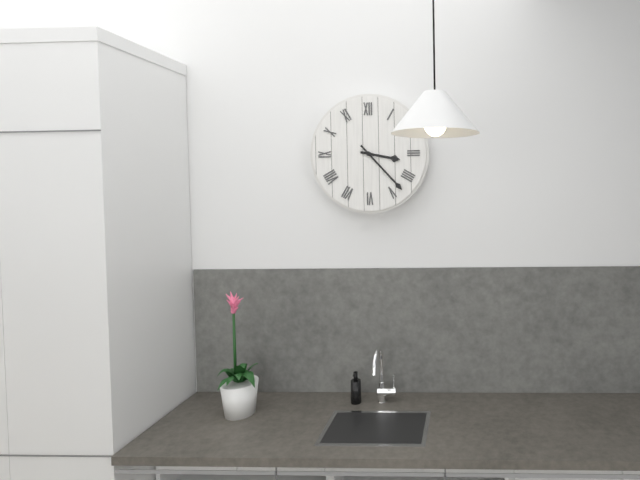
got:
3:23
